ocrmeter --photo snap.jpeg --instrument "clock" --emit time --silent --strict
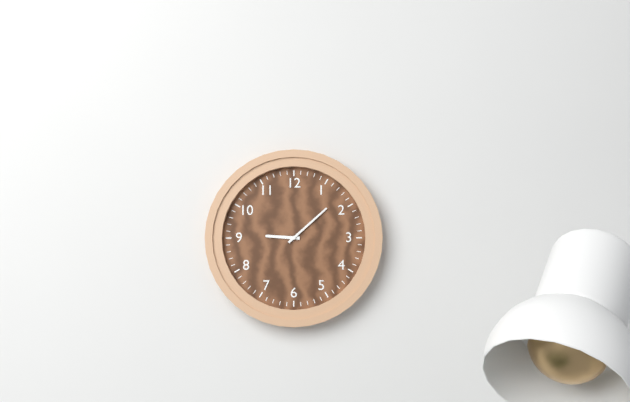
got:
9:08
